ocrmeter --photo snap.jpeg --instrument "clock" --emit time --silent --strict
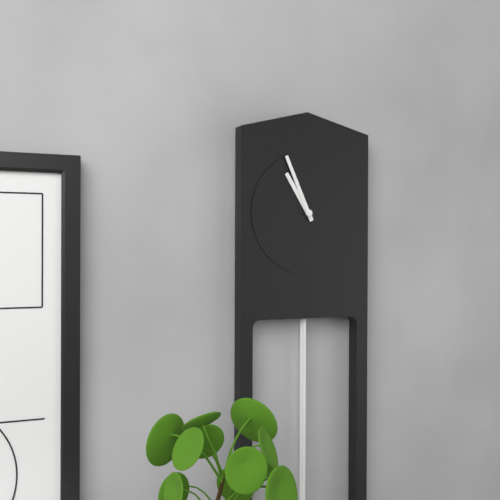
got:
10:56
